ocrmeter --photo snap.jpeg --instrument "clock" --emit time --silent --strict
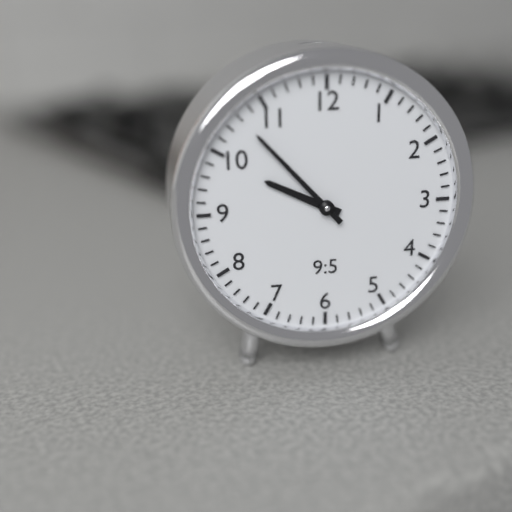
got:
9:53
